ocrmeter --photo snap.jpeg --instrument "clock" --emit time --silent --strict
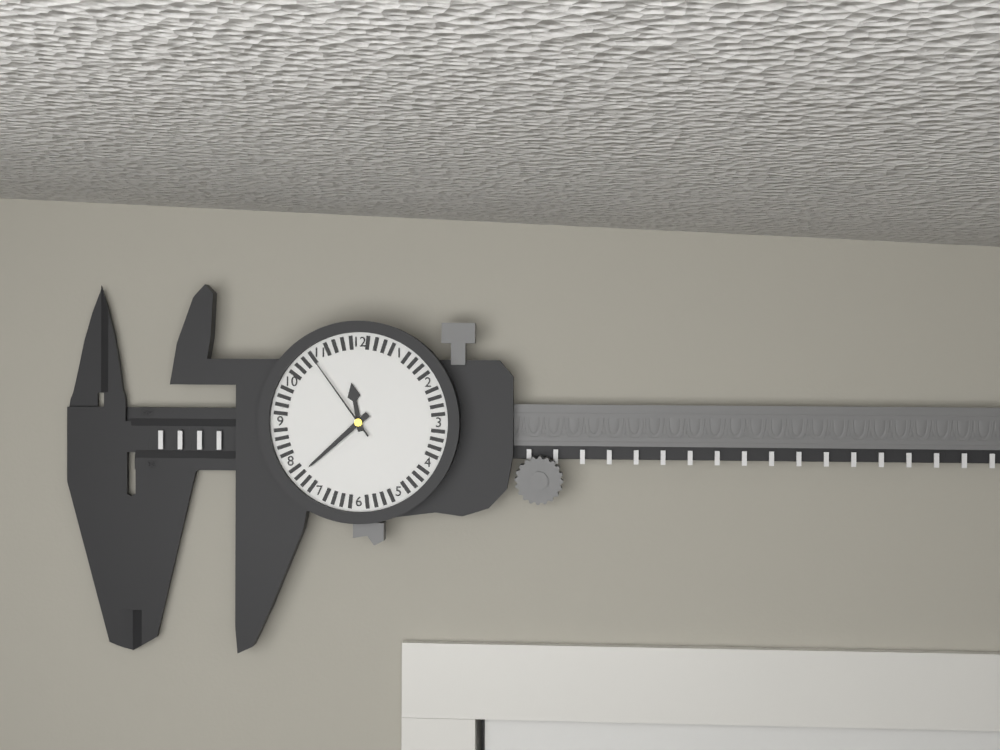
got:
11:38:54
